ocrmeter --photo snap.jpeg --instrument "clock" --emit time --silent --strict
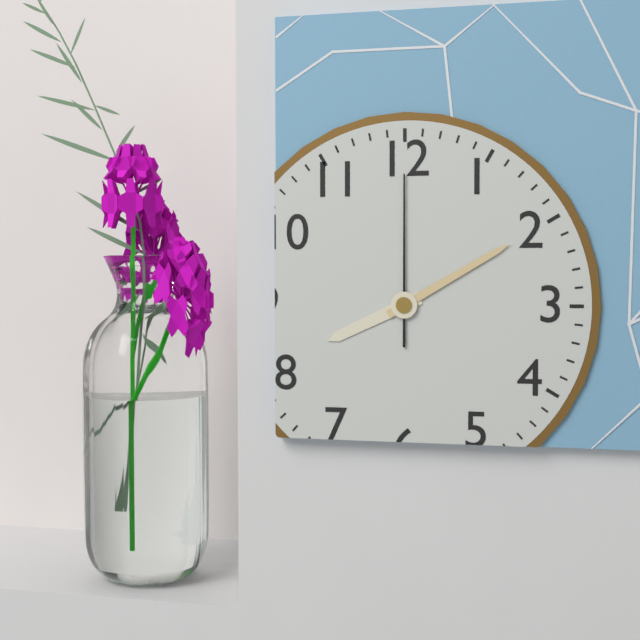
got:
8:10:00
